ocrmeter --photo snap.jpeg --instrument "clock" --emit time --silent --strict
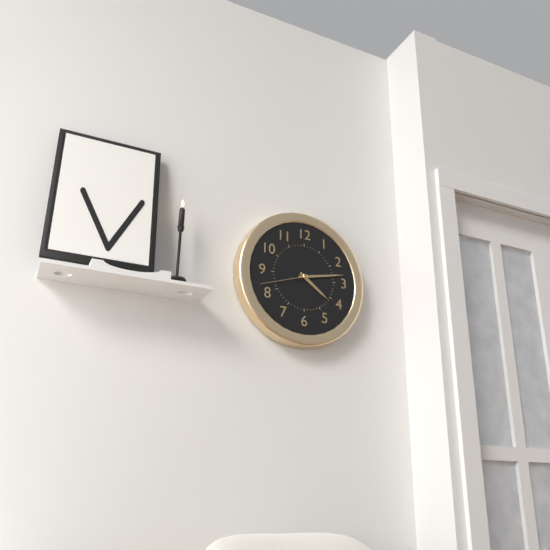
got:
4:13:42
